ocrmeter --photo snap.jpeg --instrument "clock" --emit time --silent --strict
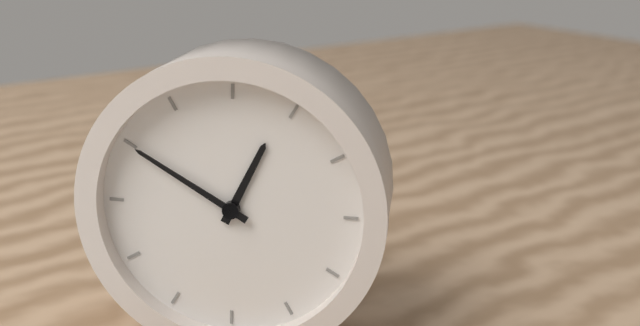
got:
12:50
